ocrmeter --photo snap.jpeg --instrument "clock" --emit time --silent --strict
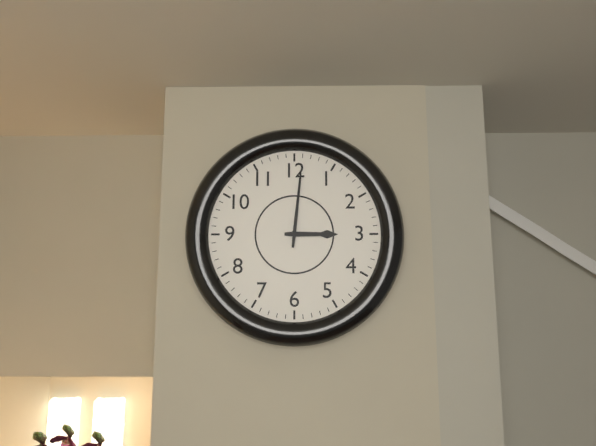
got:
3:01
